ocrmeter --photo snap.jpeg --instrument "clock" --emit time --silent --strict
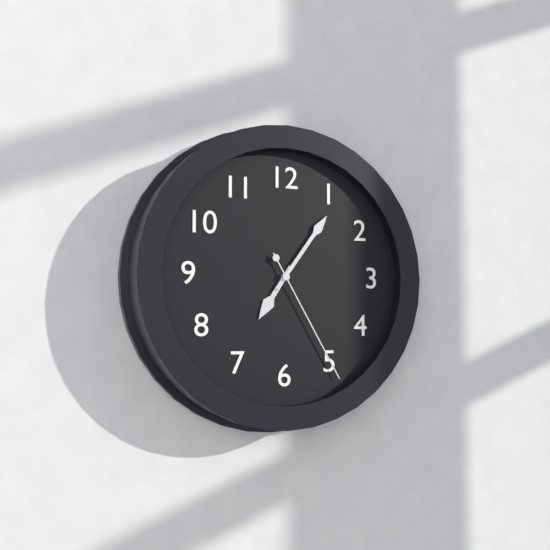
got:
7:06:25
